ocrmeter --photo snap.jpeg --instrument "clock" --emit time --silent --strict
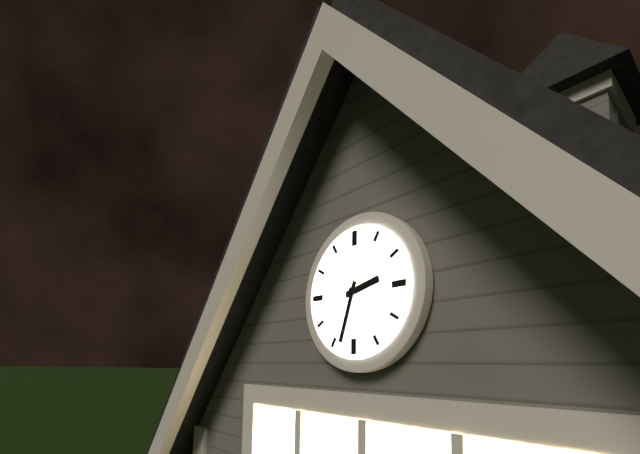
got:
2:33
